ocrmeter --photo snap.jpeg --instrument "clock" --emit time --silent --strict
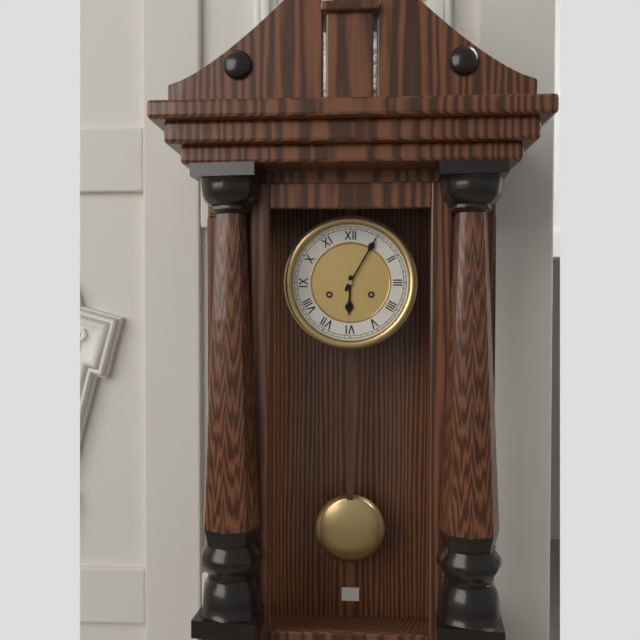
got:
6:05
